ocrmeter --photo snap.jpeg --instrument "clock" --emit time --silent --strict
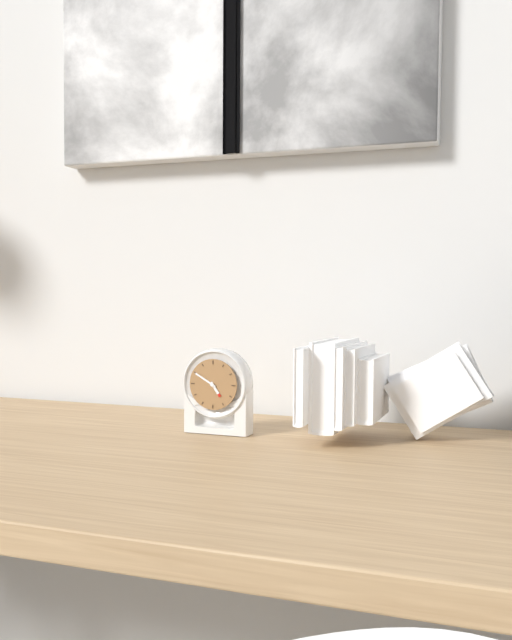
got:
4:50
